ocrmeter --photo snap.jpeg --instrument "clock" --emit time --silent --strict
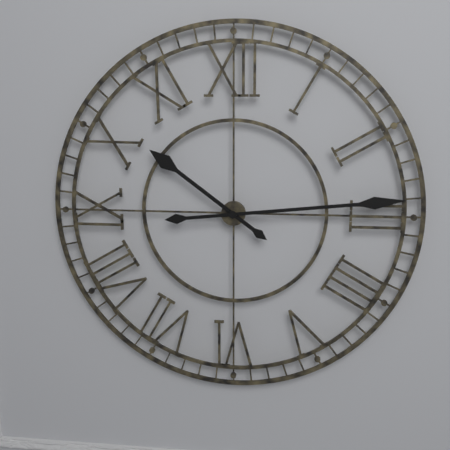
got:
10:14
